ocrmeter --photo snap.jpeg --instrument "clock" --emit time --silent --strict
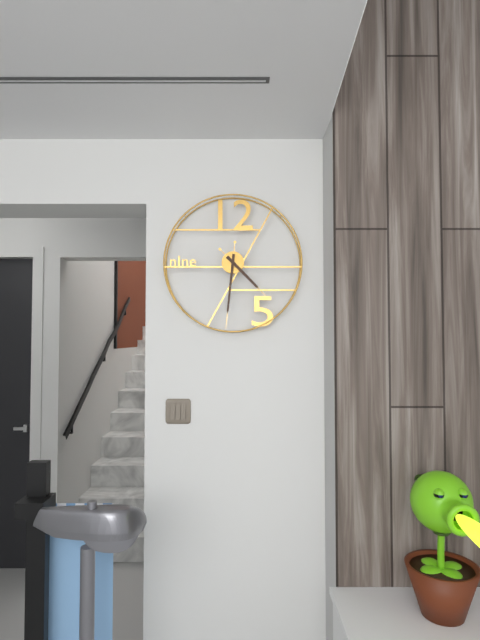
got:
4:31
